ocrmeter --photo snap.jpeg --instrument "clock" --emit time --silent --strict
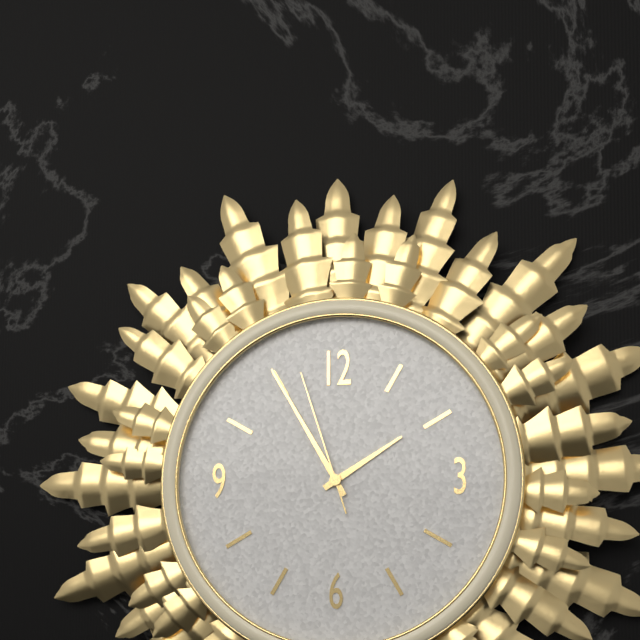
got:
1:55:57
